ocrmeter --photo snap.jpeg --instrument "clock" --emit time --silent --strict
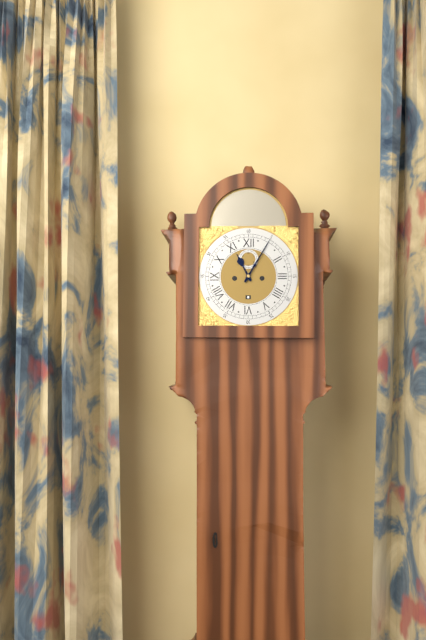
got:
11:05
